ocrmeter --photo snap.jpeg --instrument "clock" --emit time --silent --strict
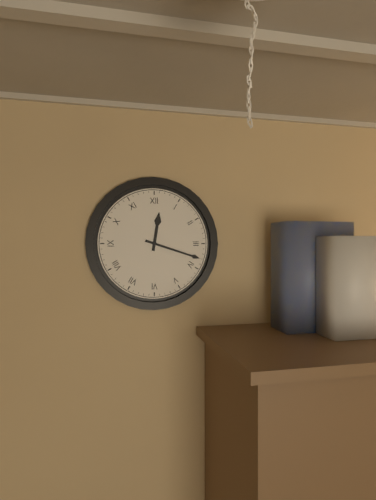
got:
12:18
